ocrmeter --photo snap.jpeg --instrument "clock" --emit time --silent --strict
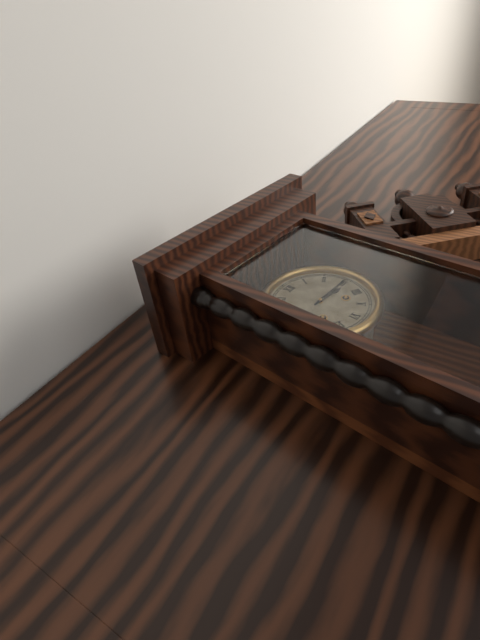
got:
3:15
